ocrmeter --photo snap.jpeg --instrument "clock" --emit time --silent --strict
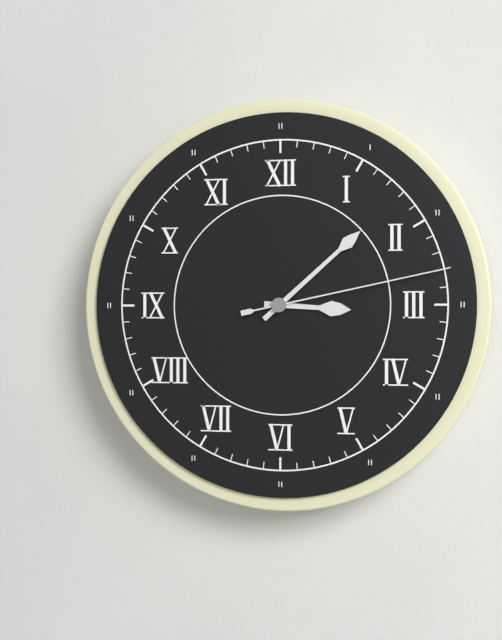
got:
3:08:13
